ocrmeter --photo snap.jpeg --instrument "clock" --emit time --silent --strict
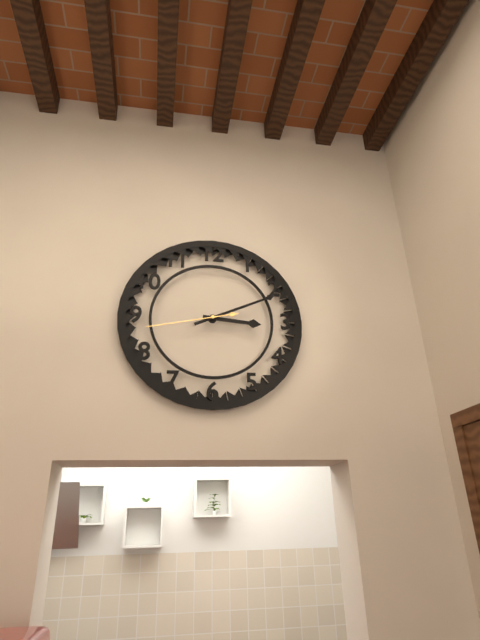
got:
3:11:43
